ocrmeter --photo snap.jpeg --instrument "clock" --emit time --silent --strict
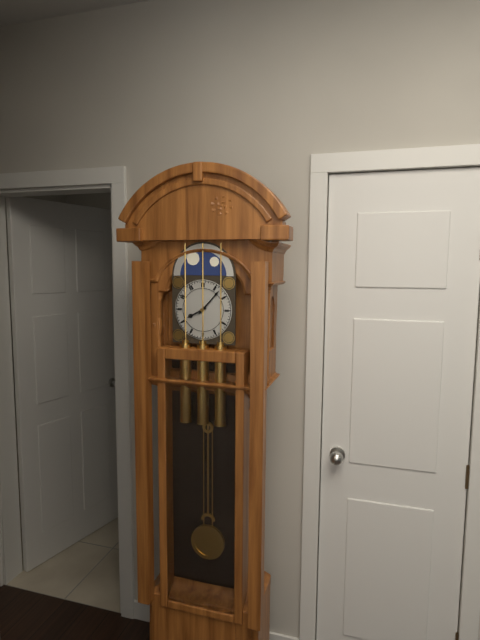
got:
8:07
